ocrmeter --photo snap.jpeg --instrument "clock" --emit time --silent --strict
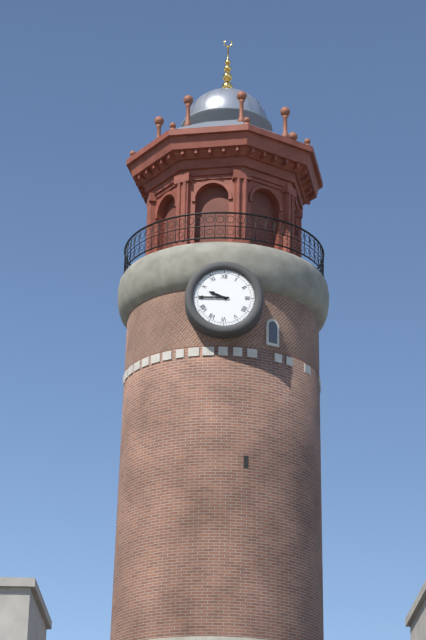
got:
9:45
